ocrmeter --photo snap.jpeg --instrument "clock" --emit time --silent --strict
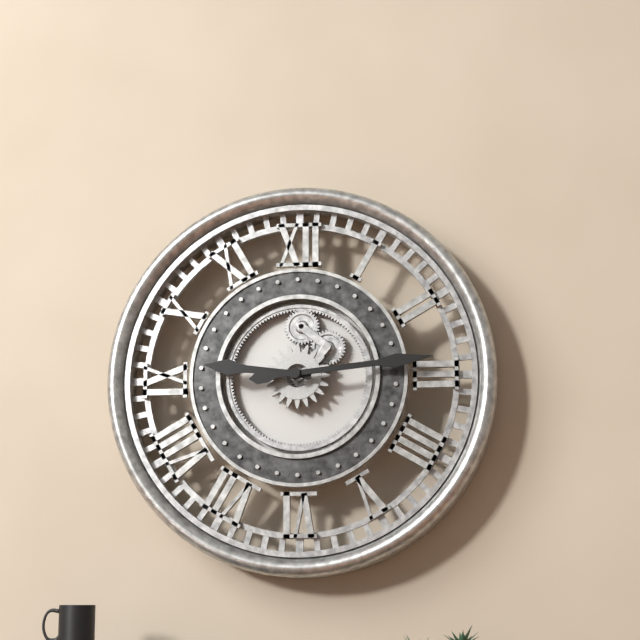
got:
9:14
